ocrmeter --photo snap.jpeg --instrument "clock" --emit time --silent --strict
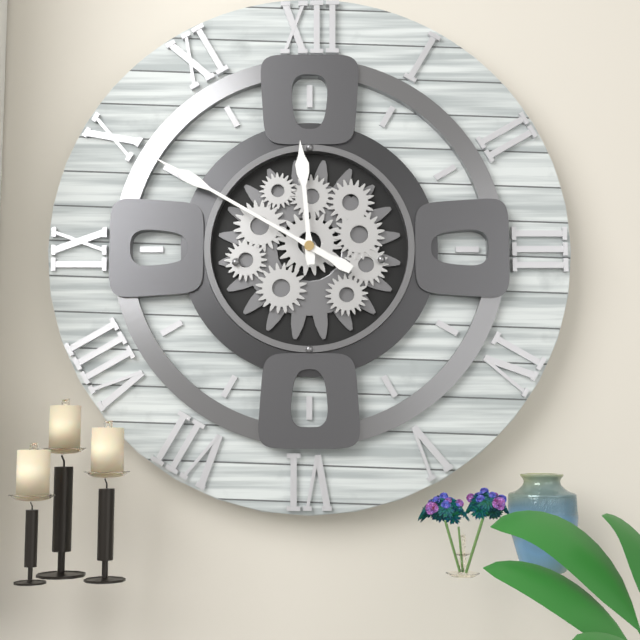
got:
11:50
